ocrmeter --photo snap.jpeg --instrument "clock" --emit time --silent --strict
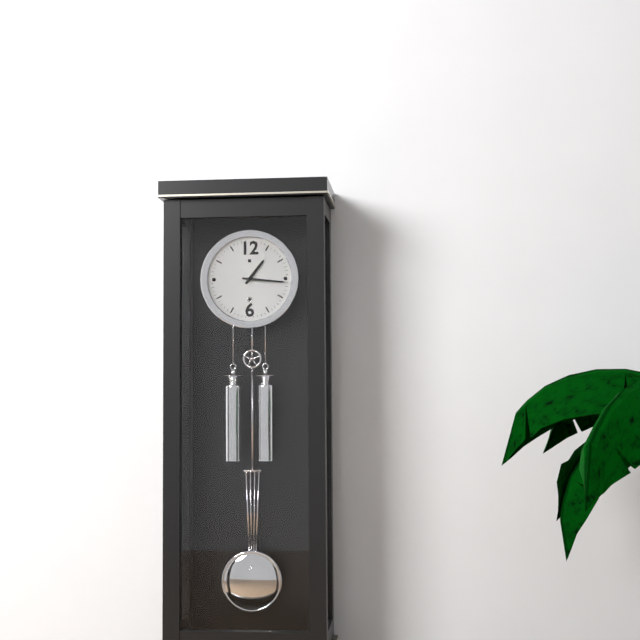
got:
1:16
